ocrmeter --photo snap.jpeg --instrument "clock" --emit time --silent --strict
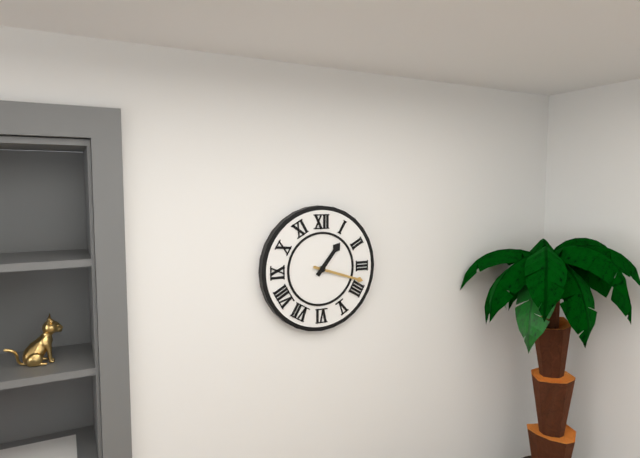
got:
1:18
